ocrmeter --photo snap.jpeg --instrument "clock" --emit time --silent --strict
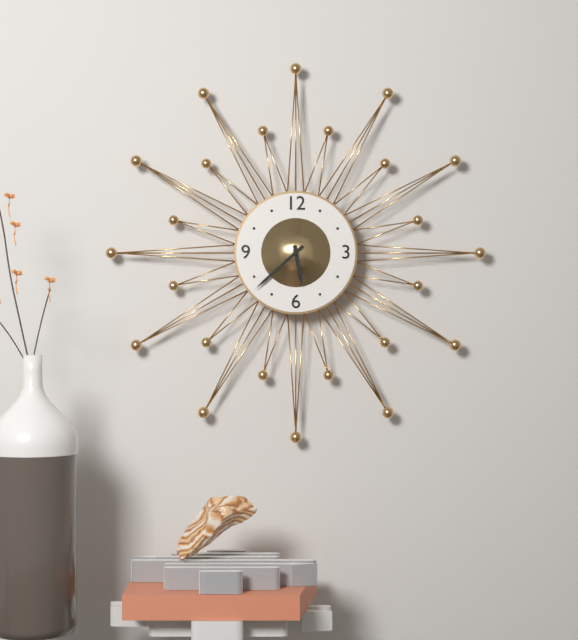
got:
5:38
